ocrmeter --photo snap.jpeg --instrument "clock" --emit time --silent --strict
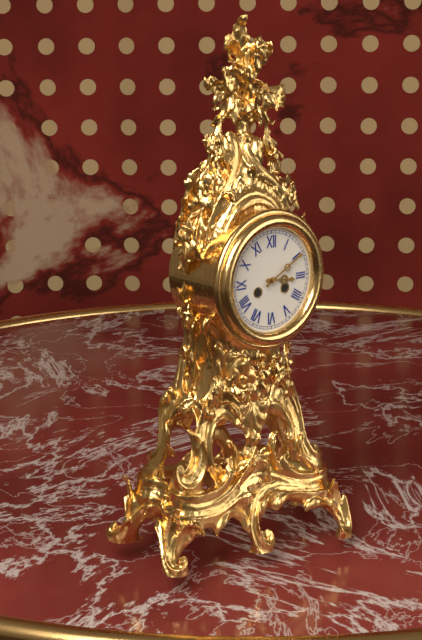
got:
3:10
